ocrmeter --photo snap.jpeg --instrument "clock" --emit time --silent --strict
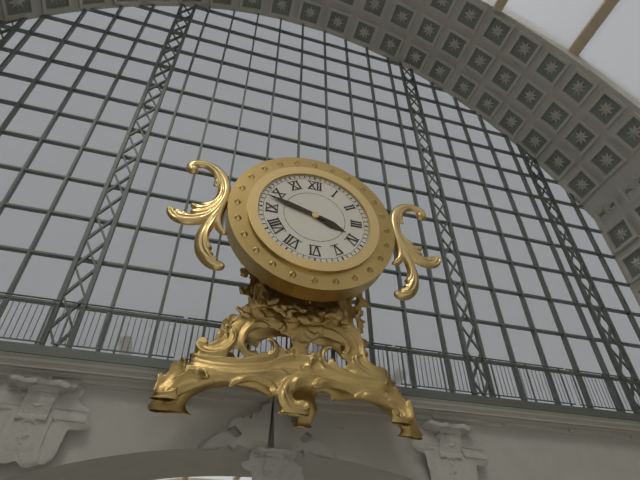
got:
3:48
